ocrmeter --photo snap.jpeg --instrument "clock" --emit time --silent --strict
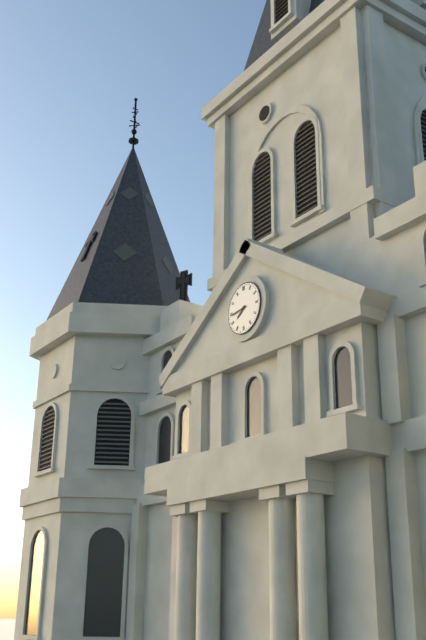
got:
7:44
